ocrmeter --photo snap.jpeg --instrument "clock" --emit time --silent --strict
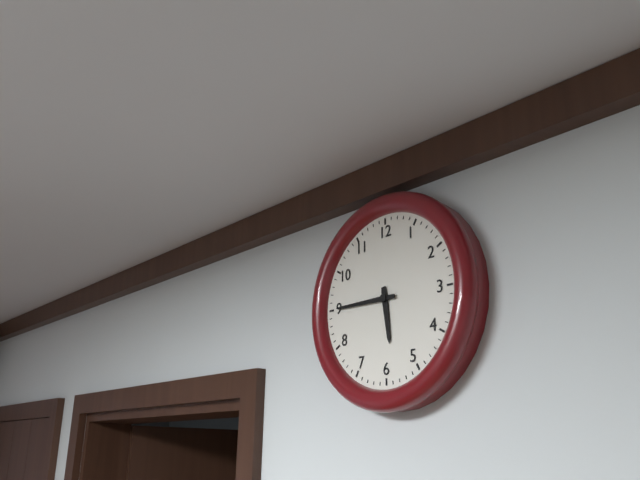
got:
5:45
